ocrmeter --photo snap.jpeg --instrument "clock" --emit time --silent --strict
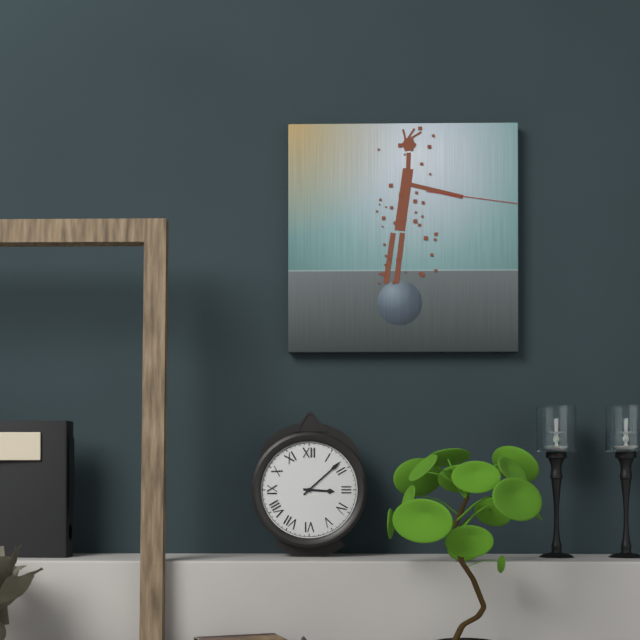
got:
3:08
